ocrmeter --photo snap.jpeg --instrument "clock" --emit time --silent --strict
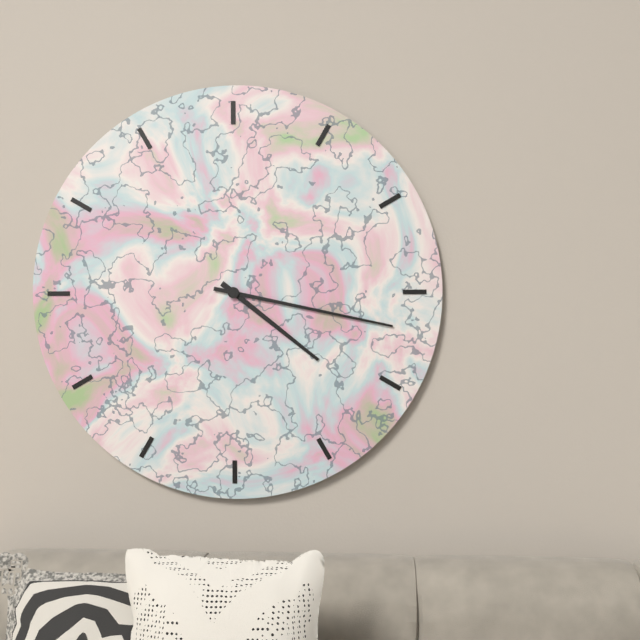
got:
4:17
